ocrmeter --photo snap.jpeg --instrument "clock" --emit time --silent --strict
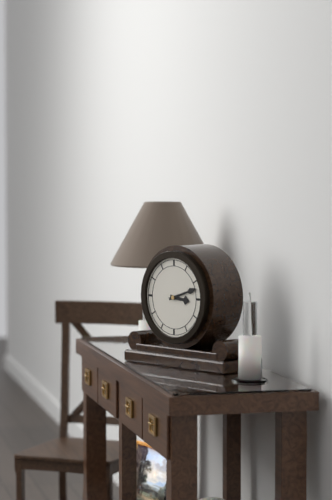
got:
3:12
